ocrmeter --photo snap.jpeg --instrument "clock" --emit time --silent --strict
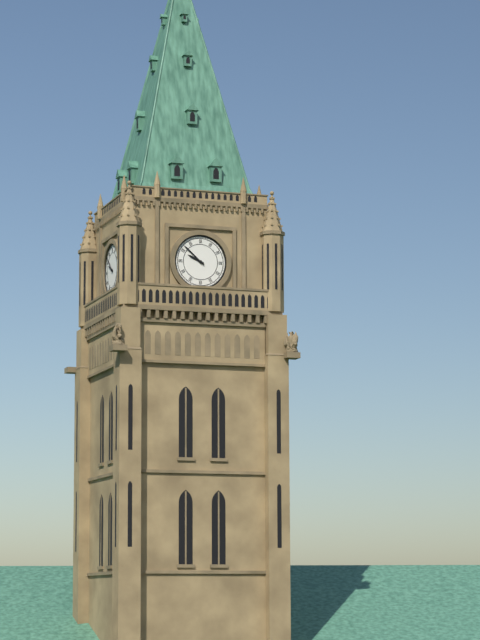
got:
9:52
